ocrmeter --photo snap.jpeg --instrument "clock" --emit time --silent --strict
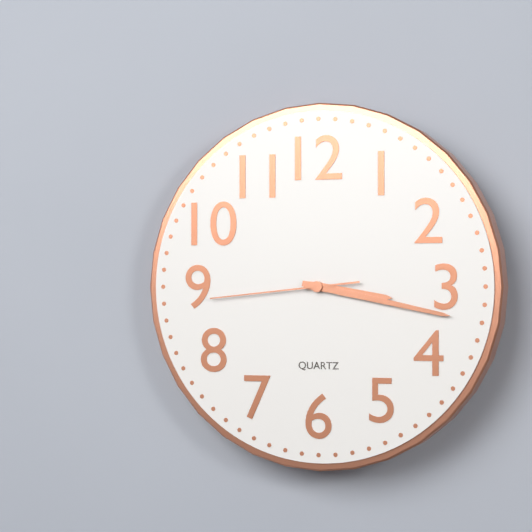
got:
3:17:44
